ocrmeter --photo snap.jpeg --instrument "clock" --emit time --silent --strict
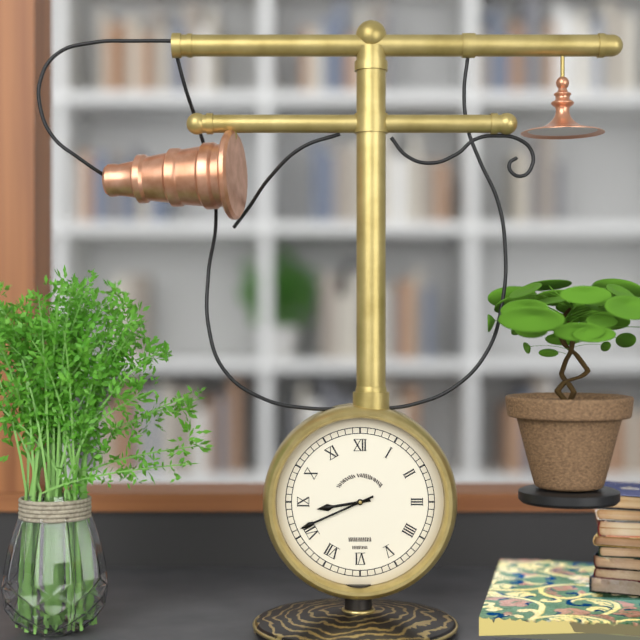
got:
8:41
